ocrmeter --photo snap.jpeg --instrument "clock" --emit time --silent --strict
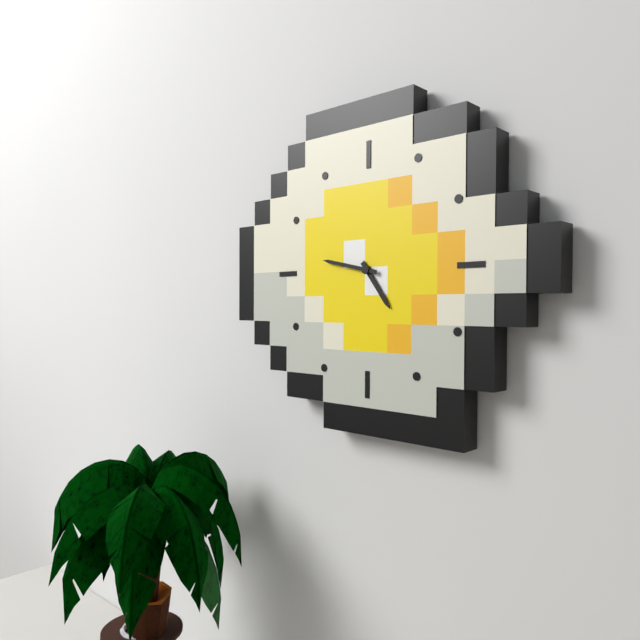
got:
4:47
